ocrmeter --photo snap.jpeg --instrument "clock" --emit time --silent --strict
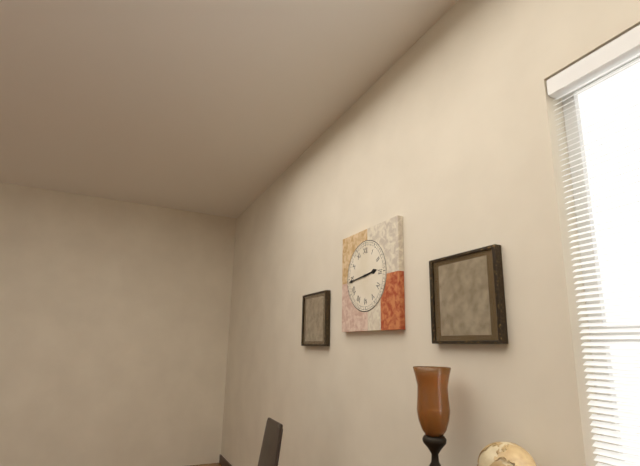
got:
2:44
